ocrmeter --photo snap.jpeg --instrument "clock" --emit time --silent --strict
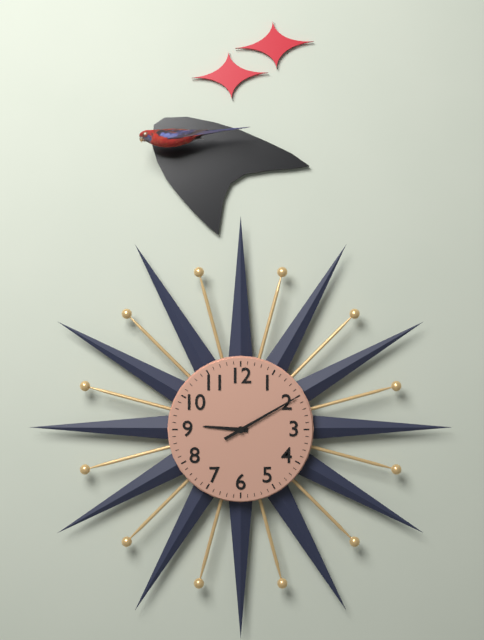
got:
9:10
